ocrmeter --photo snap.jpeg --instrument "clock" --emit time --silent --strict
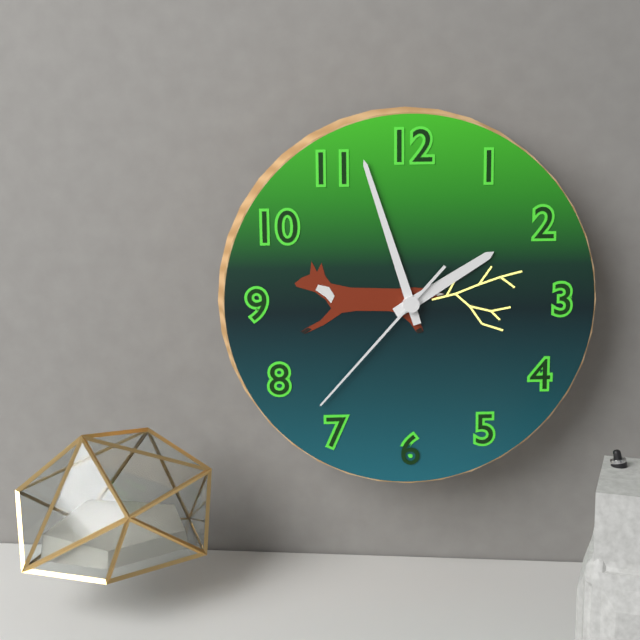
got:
1:57:37
